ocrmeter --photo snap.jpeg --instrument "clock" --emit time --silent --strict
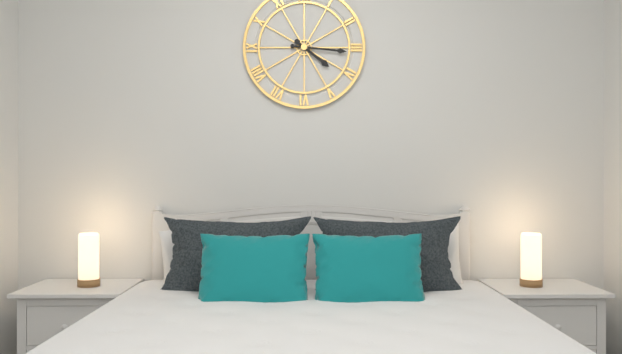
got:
4:16
